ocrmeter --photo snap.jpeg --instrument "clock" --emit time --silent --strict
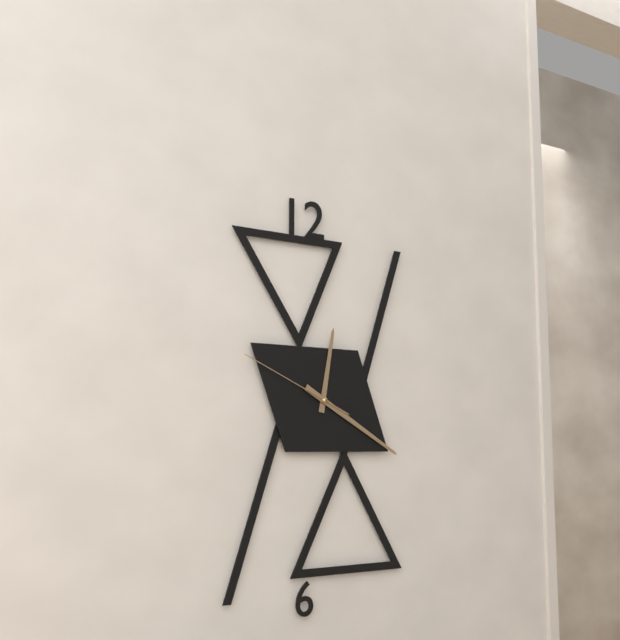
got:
12:20:49
